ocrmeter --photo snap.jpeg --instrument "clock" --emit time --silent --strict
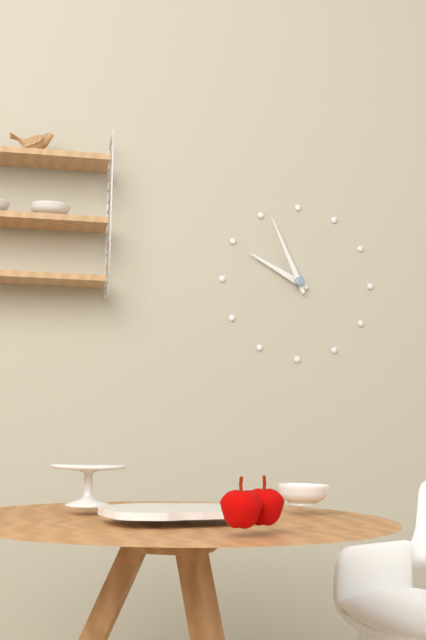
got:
9:56
